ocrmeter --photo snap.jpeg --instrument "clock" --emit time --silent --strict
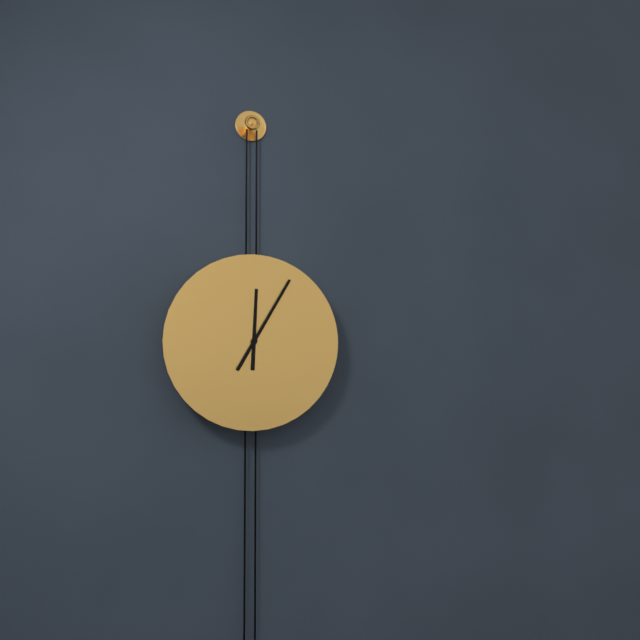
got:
12:05
